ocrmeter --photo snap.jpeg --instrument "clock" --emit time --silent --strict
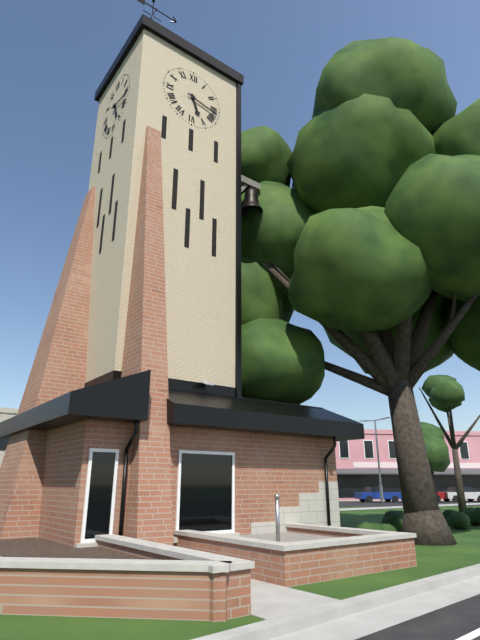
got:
5:17
